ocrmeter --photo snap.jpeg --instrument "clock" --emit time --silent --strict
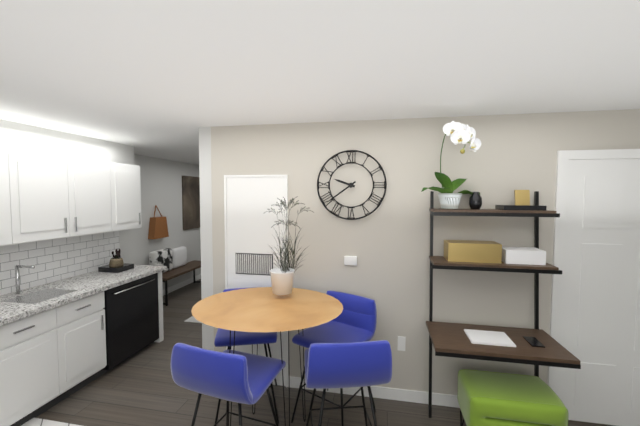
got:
9:39
